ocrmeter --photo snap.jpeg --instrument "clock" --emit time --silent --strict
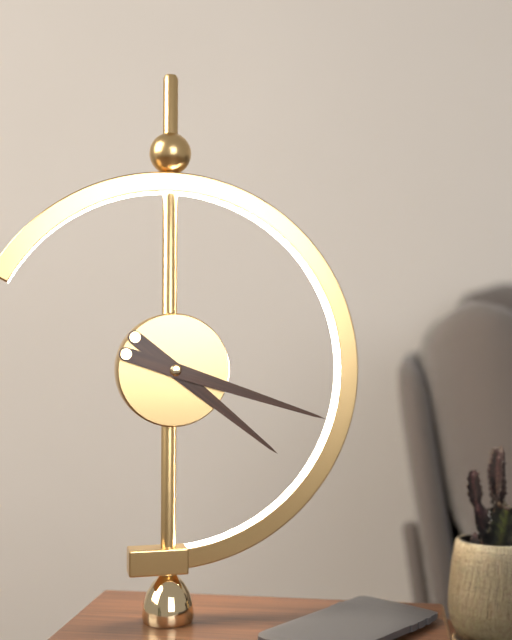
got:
4:18
